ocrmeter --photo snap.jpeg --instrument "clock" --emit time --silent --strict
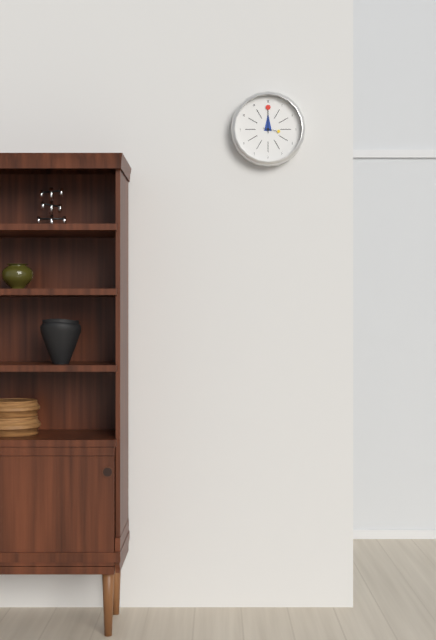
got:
12:00
